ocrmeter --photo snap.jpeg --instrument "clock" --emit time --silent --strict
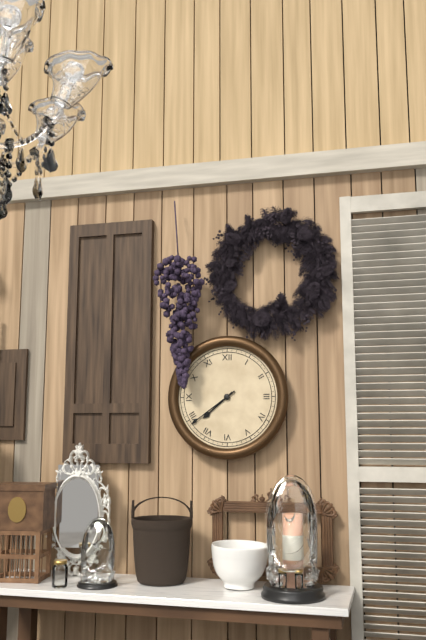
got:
7:39
